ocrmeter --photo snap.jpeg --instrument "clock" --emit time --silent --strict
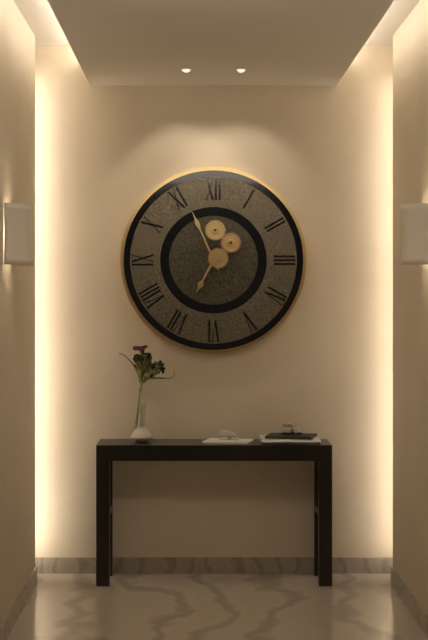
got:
6:56
